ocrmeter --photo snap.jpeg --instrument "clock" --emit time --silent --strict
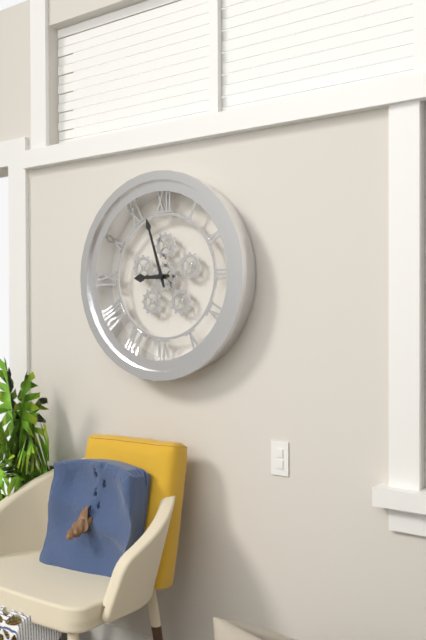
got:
8:57
